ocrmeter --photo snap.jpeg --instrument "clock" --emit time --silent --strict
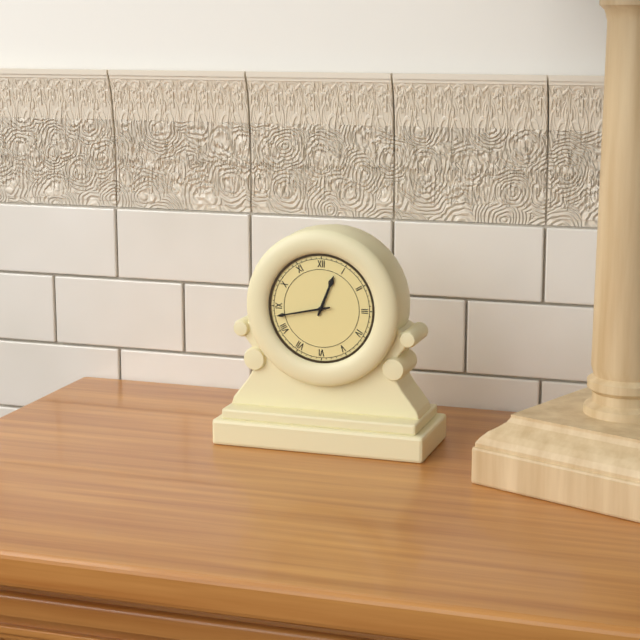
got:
12:43
